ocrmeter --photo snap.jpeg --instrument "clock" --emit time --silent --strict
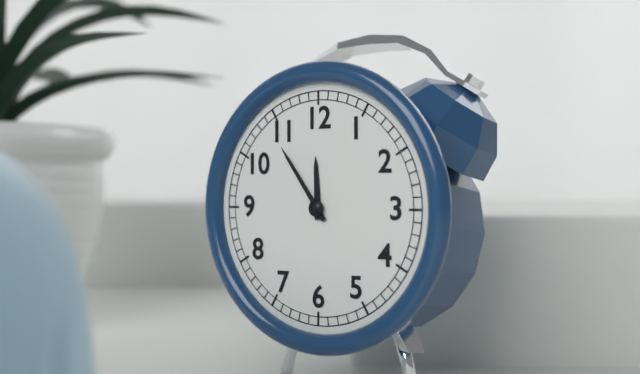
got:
11:54
